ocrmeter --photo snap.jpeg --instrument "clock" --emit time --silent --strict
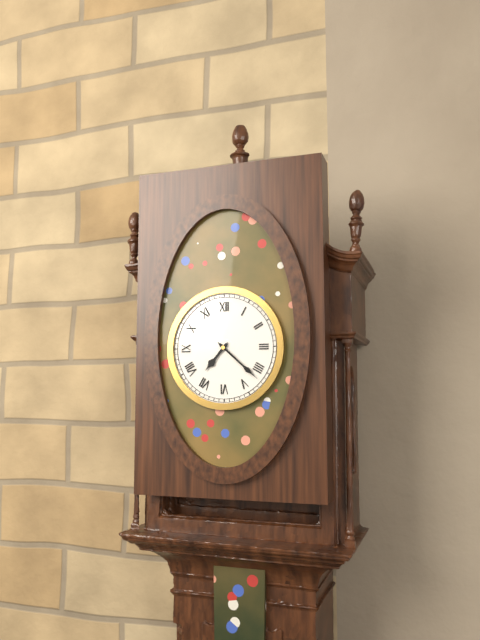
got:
7:22
